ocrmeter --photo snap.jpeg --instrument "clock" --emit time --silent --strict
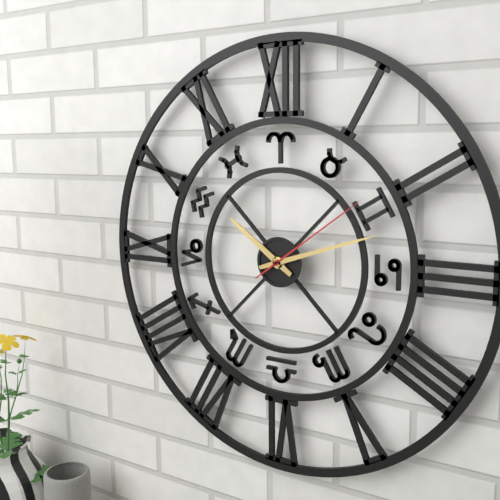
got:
10:12:09
